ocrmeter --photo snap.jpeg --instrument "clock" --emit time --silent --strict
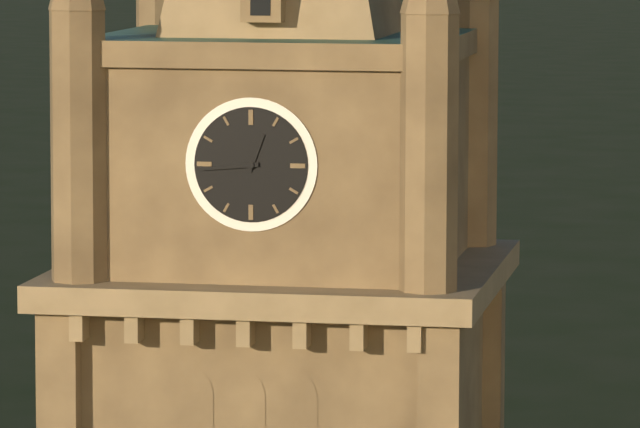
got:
12:44
